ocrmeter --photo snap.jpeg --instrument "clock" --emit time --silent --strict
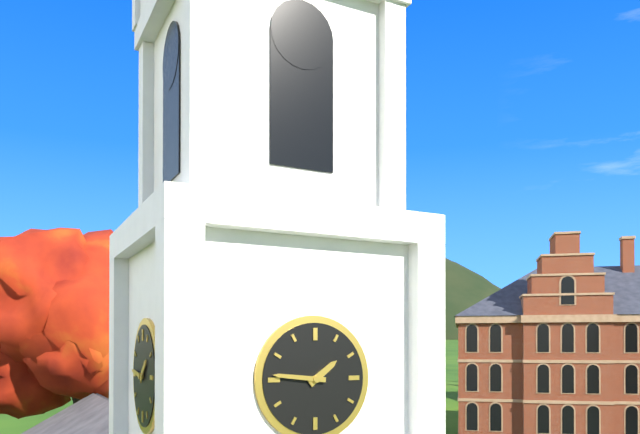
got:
1:46
